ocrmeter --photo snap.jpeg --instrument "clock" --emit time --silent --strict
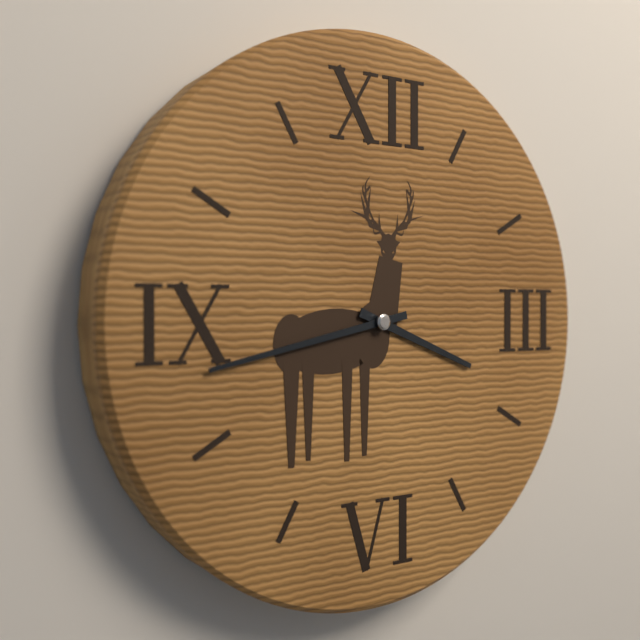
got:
3:43
